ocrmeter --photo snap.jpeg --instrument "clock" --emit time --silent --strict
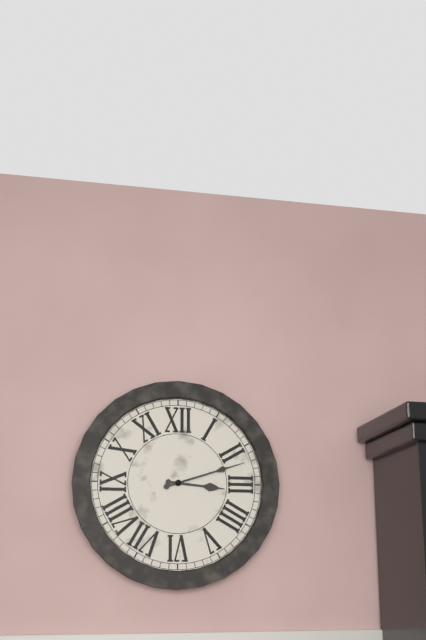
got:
3:12
